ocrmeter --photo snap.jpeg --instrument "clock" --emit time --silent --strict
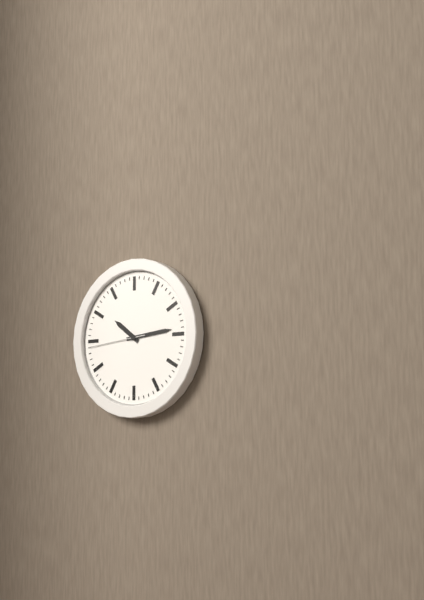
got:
10:14:44
